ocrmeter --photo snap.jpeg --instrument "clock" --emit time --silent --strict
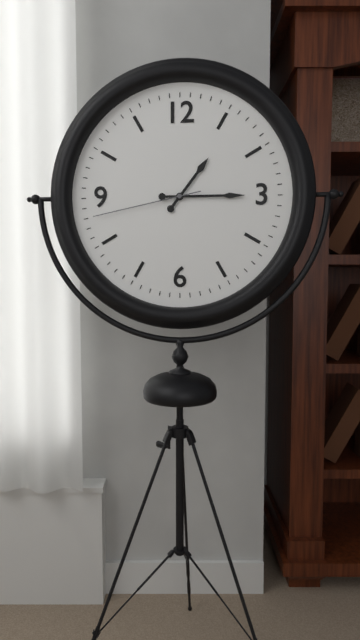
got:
1:15:43
